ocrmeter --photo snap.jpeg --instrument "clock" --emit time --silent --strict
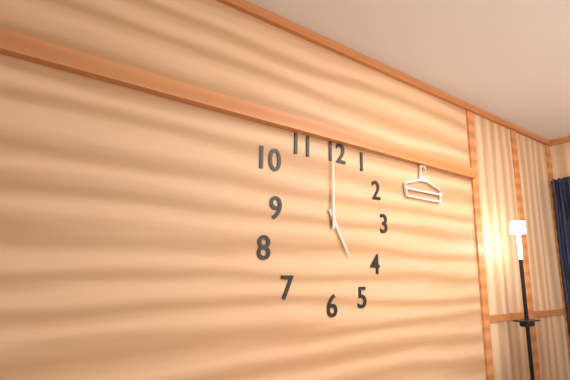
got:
5:00
